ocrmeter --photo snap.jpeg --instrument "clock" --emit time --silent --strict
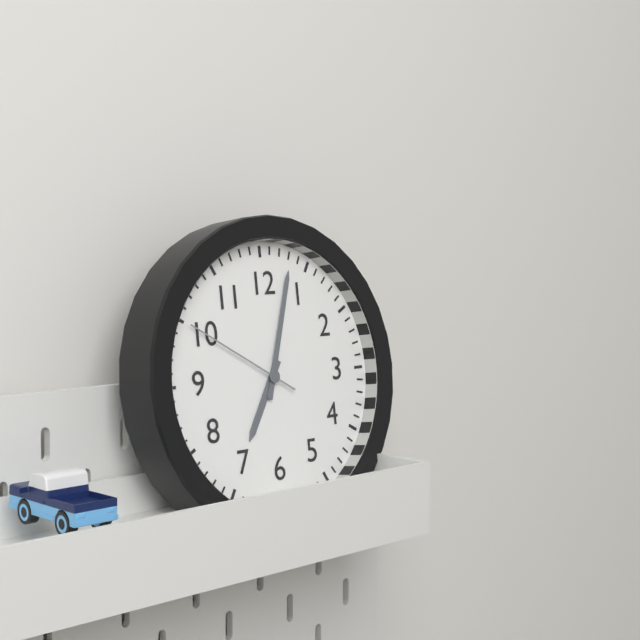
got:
7:03:50
